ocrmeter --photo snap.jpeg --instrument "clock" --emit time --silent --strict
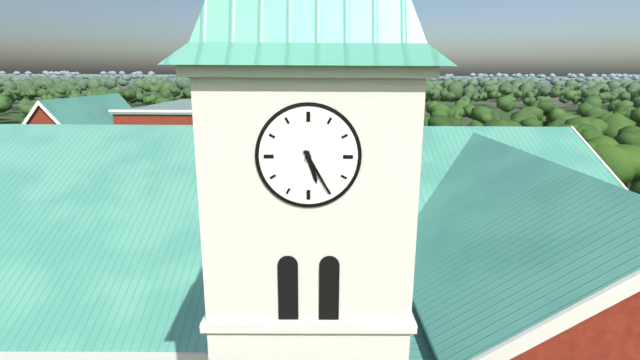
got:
5:25
